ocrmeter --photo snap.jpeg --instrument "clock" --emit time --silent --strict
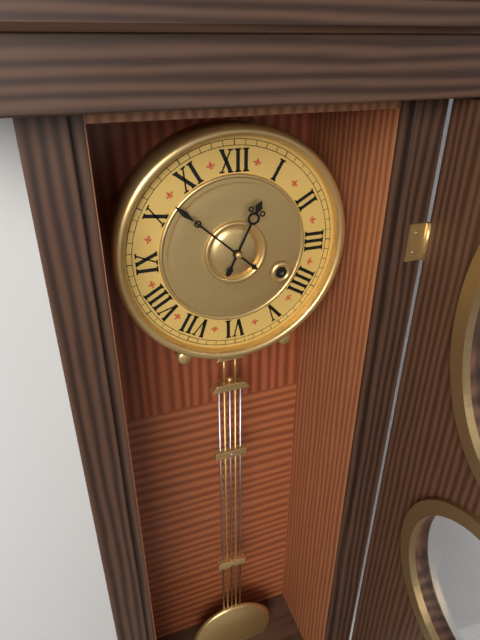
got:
12:52
